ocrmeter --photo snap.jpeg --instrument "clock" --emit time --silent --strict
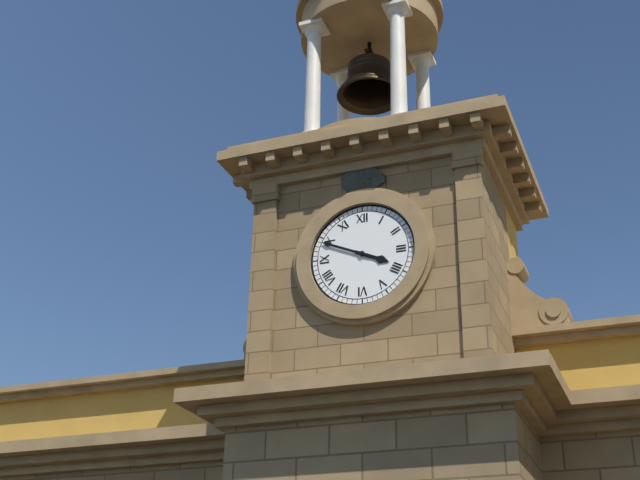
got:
3:49
